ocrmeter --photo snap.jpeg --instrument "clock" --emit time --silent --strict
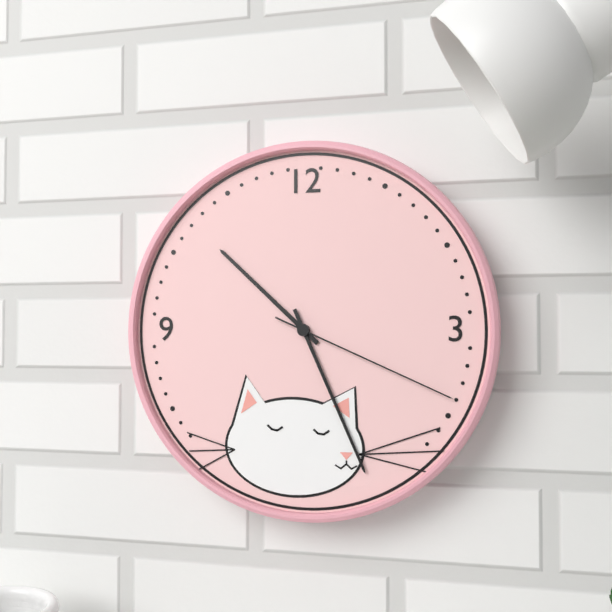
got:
10:26:19
